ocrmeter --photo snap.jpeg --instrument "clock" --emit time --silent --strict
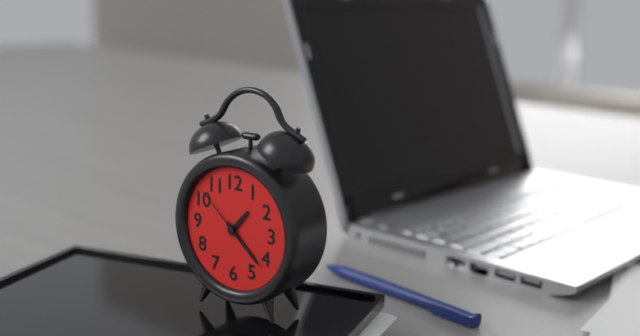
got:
1:22:52
